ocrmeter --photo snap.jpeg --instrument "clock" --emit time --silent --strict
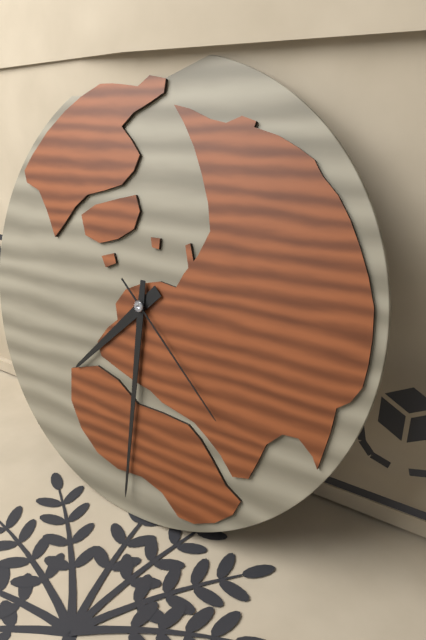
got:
7:30:22
